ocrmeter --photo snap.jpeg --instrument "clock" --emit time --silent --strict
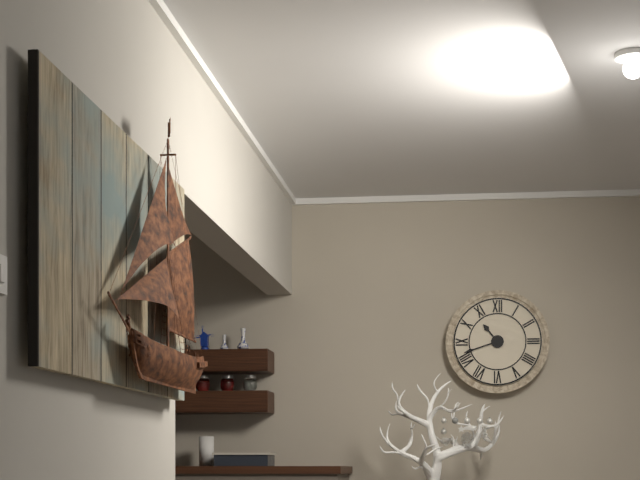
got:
10:42
